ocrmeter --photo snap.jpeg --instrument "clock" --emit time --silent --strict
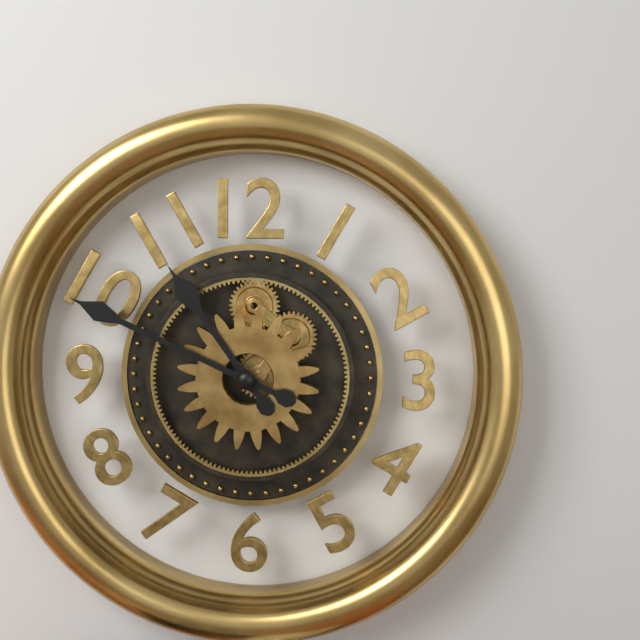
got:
10:49
